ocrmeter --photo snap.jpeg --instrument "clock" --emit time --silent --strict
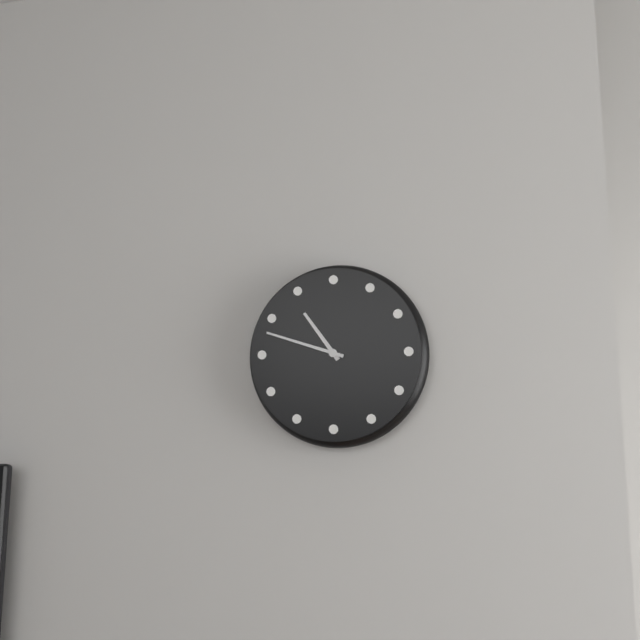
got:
10:48
